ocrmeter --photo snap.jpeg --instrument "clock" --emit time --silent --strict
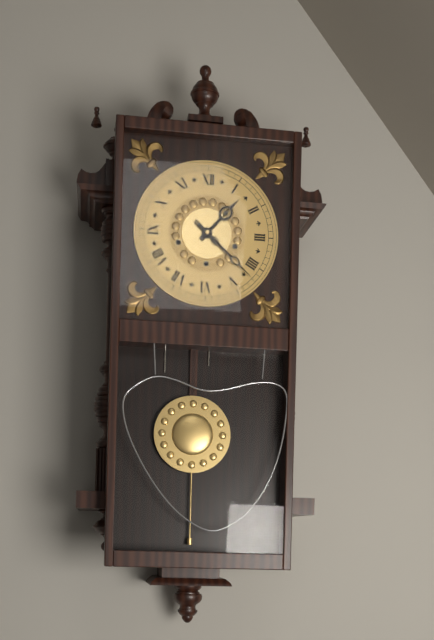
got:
1:22
